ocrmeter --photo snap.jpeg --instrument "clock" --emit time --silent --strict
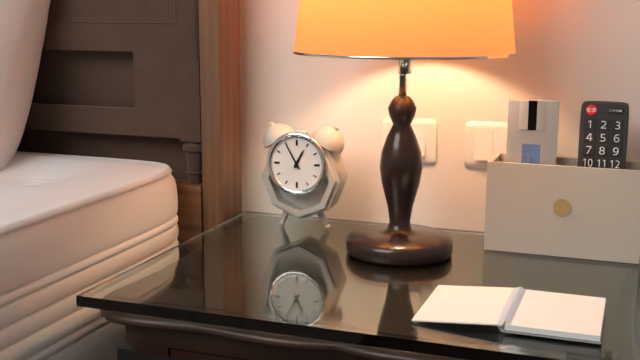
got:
12:55
